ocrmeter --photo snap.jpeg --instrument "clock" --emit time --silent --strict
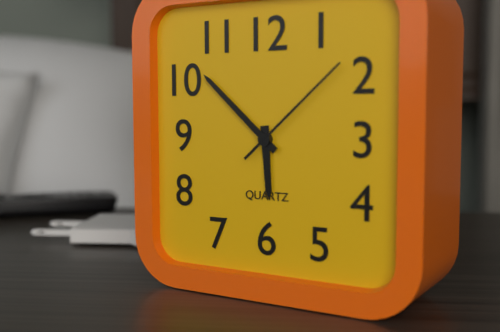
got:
5:52:08
